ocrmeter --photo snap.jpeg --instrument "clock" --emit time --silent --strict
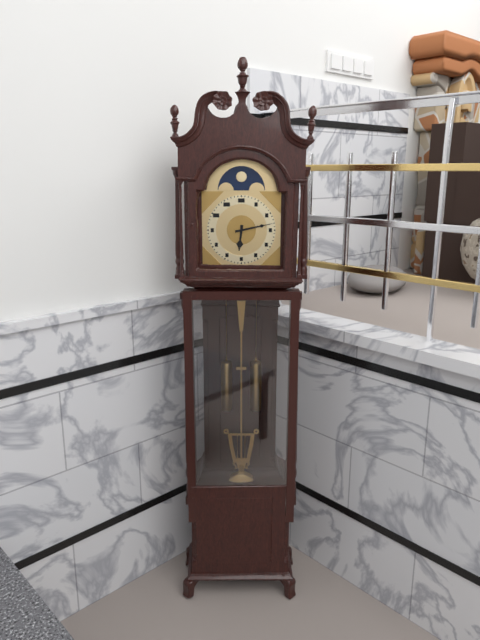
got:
6:13
